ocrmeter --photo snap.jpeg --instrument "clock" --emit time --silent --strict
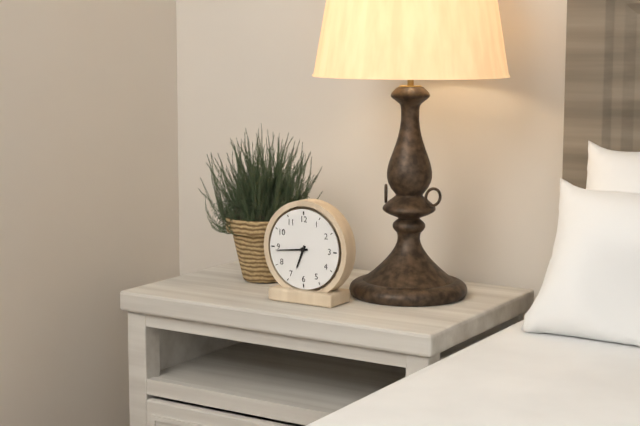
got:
6:44
